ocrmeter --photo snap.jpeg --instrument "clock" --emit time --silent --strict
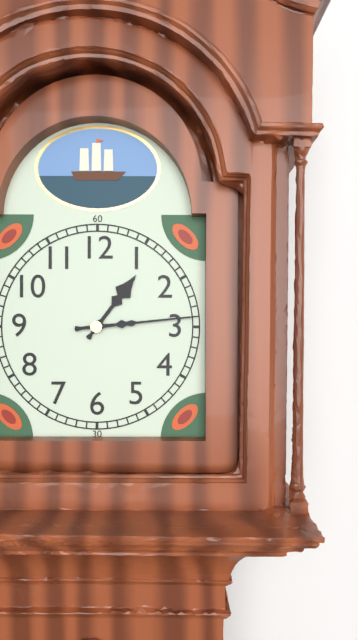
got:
1:14
